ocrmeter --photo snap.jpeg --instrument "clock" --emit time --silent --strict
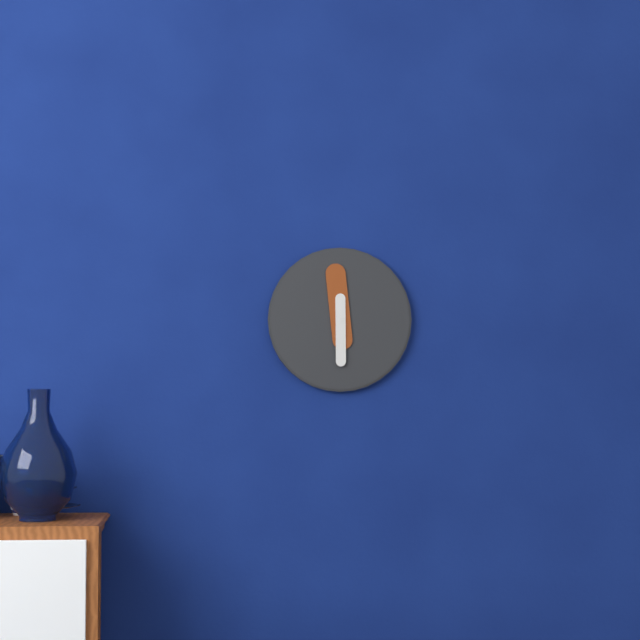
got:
5:59
